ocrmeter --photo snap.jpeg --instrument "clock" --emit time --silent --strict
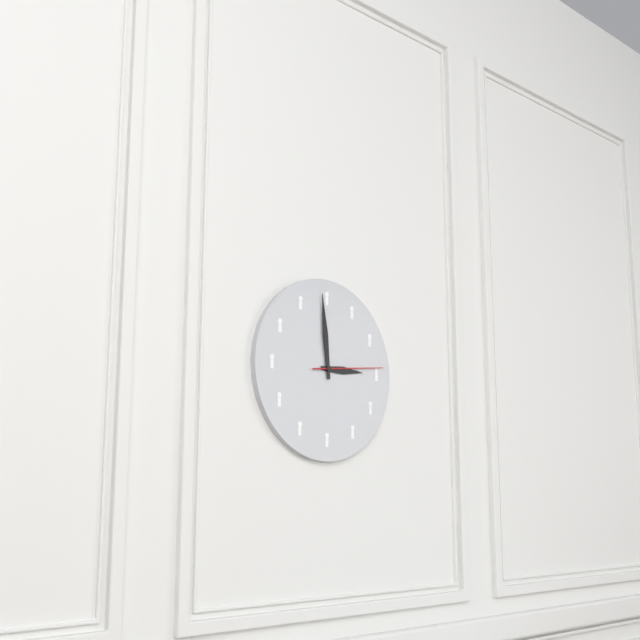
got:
2:59:14
